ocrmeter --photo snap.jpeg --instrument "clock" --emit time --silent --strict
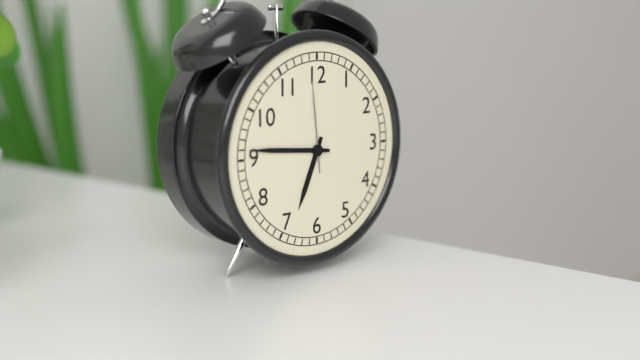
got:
6:46:59
